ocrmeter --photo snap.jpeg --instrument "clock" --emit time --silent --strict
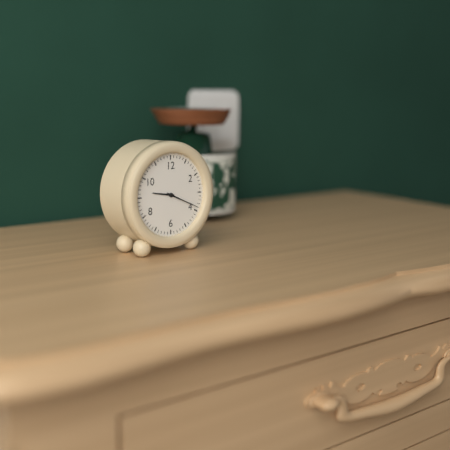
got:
9:19
